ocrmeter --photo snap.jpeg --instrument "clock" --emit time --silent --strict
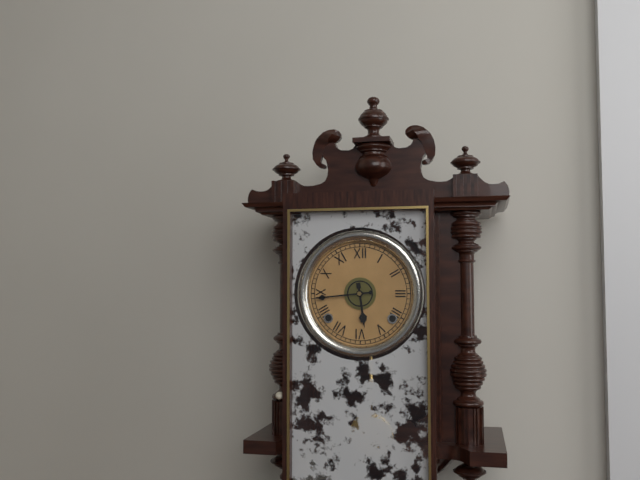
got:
5:44
